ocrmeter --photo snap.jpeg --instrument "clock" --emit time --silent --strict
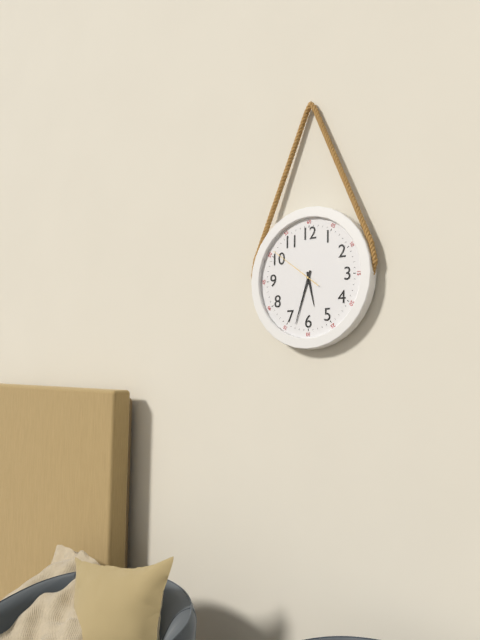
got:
5:33:51
